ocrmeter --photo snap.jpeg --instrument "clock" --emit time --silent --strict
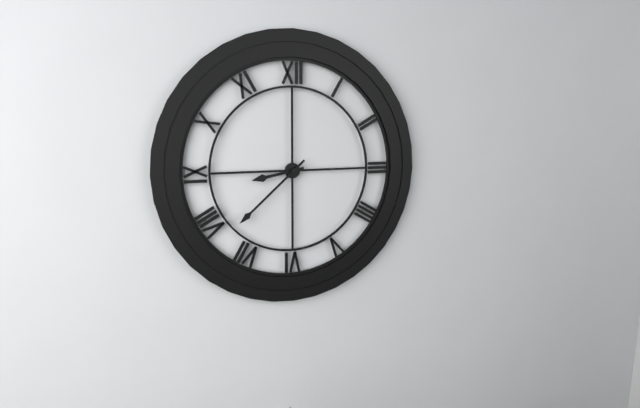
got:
8:38
